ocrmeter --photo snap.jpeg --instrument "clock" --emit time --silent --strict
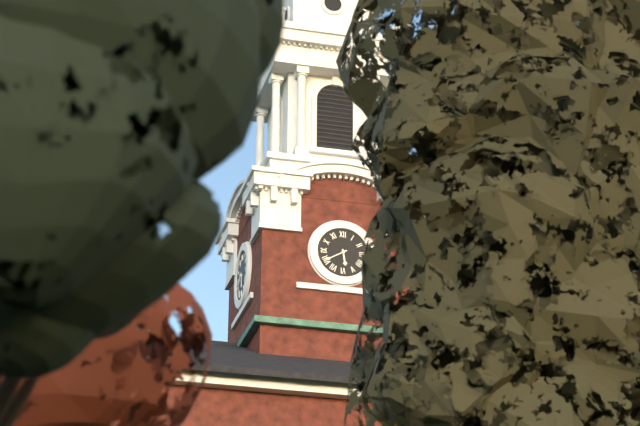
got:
5:40
